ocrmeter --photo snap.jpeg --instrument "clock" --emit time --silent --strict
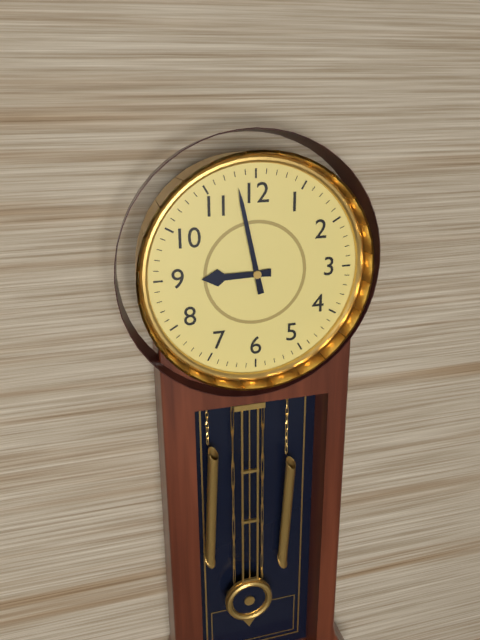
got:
8:58
